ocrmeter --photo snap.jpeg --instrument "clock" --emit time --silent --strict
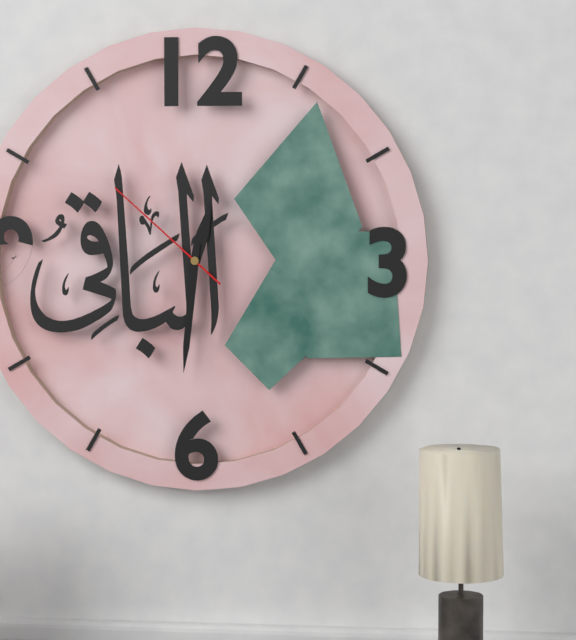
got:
12:31:52
